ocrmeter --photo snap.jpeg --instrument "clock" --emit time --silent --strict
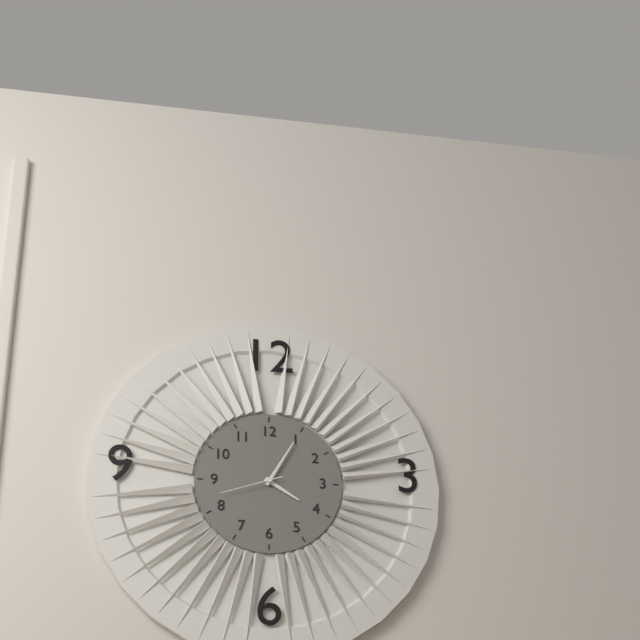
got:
4:05:42
